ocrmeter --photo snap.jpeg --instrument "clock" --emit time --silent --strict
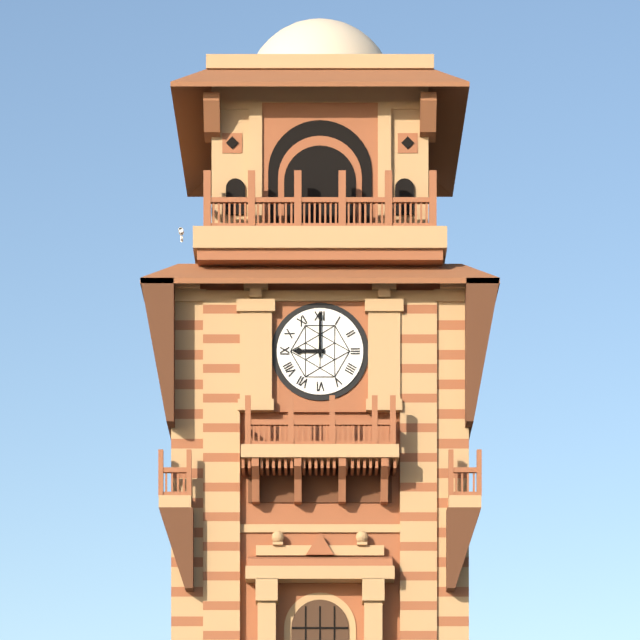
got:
9:00
